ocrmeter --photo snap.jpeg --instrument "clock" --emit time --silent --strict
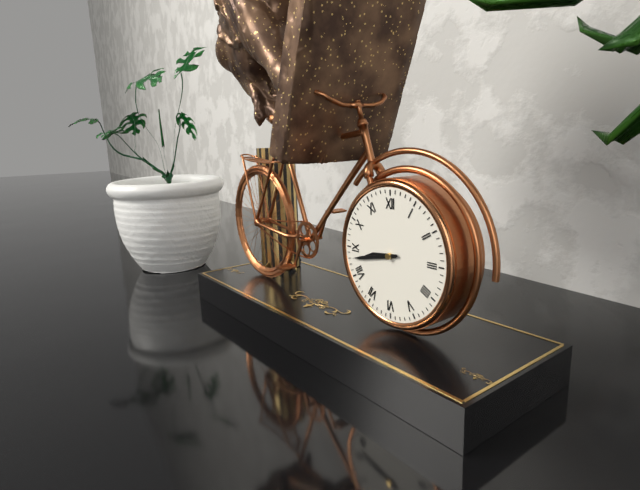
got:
8:43
